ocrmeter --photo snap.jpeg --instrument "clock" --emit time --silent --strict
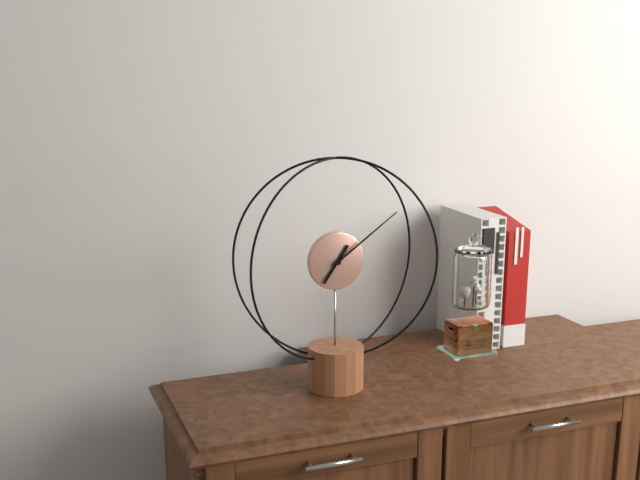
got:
7:09
